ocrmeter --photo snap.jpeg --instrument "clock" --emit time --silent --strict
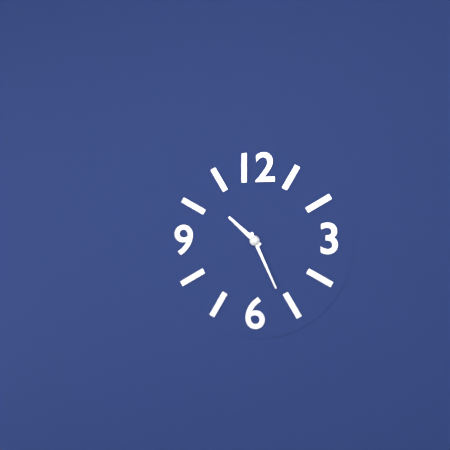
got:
10:26
